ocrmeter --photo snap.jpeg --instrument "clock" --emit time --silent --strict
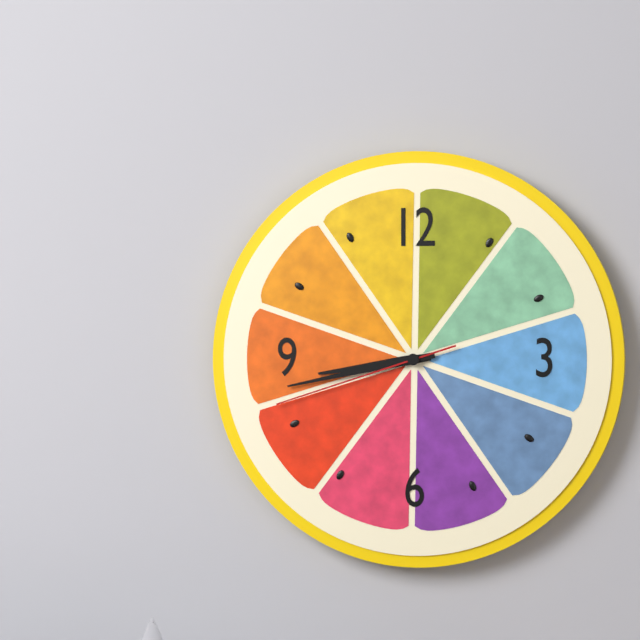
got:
8:43:42
